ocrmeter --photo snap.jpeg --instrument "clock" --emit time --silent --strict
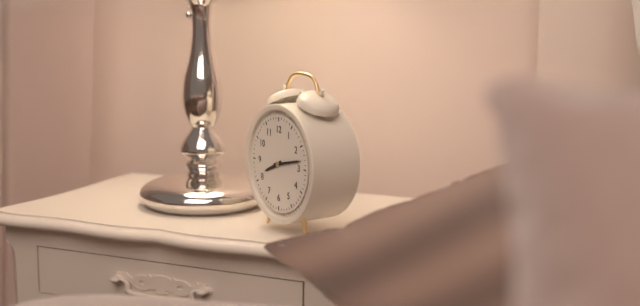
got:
8:13
